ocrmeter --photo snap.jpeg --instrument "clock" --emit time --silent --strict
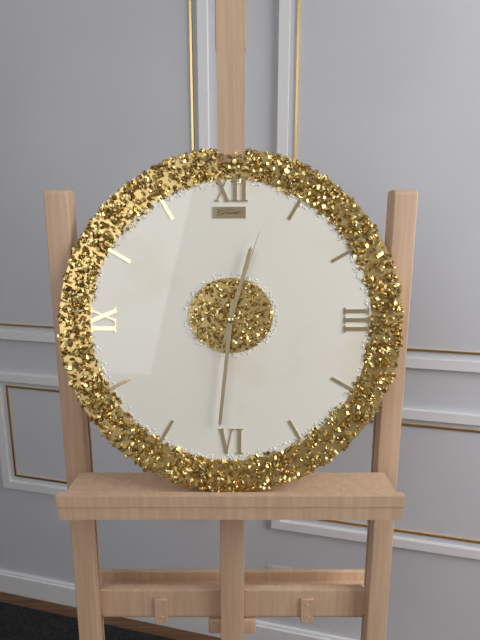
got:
12:31:03
